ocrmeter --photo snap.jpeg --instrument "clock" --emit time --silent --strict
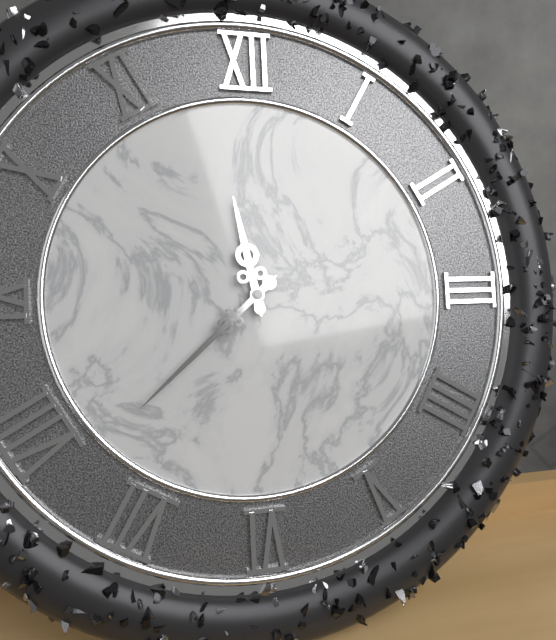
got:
11:38
